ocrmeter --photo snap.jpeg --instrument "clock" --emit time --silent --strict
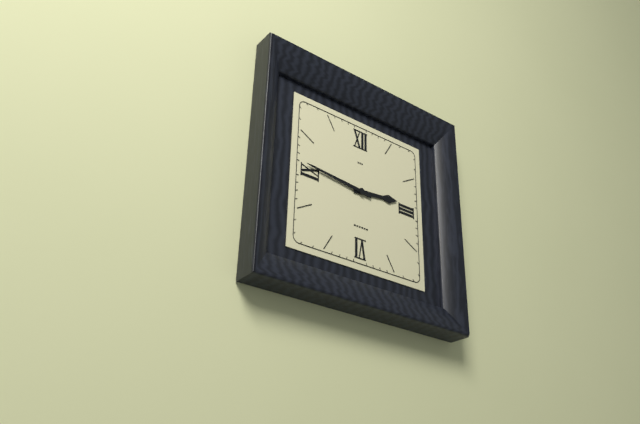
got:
2:46
